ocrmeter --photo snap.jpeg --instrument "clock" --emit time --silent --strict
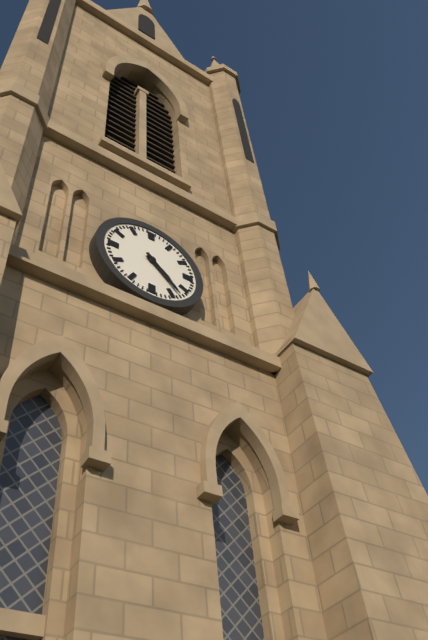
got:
4:23
